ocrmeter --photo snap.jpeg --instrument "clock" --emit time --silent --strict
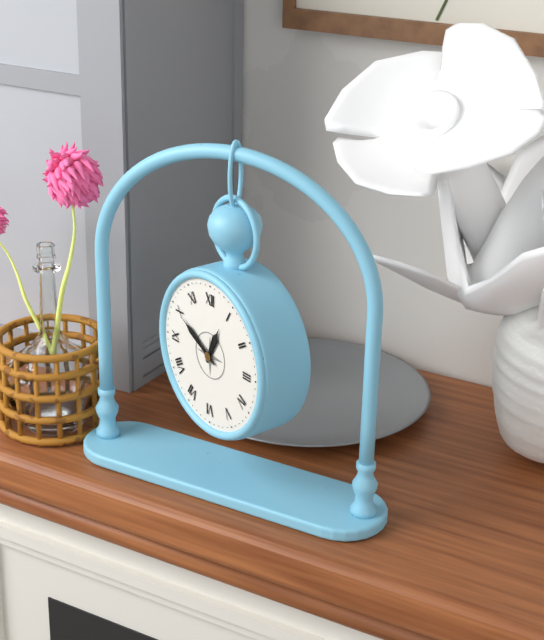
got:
12:50
